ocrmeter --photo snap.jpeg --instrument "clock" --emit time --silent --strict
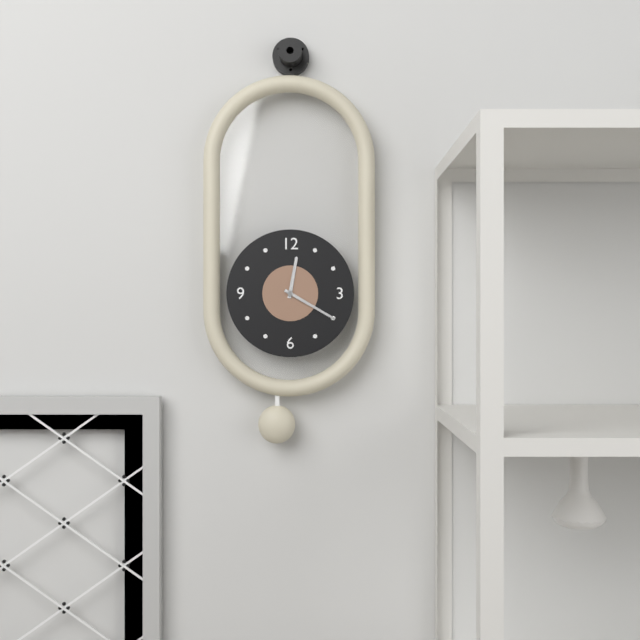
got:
12:20
